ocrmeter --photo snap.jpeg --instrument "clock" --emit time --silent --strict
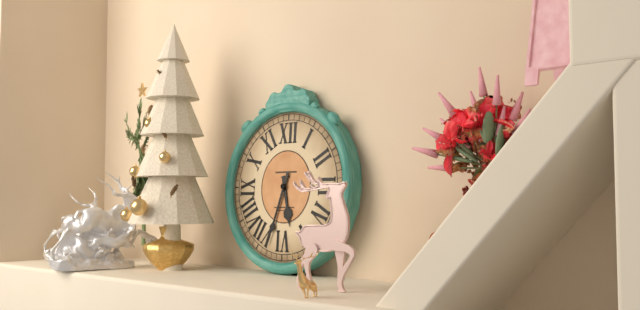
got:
5:33
